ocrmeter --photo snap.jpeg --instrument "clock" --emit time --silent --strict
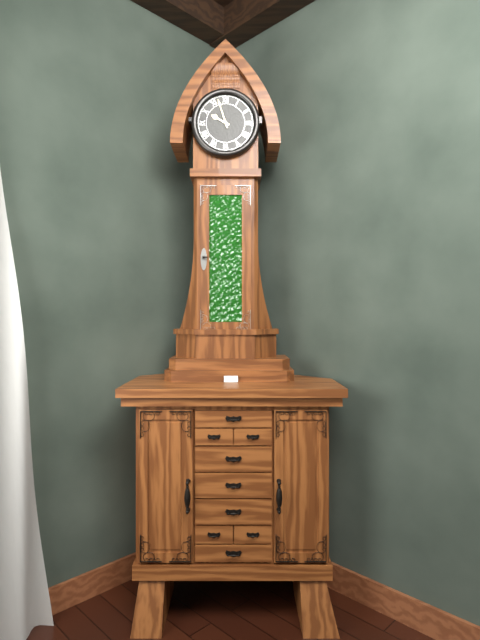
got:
9:57
